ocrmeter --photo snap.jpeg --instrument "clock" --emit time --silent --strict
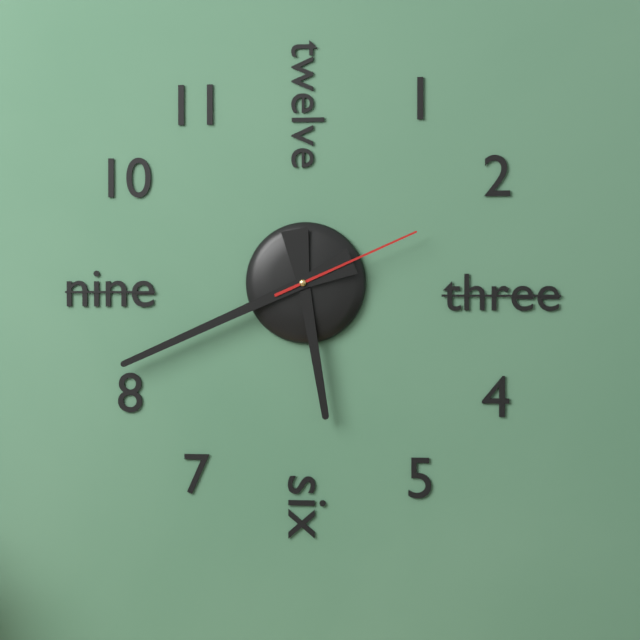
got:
5:41:11
